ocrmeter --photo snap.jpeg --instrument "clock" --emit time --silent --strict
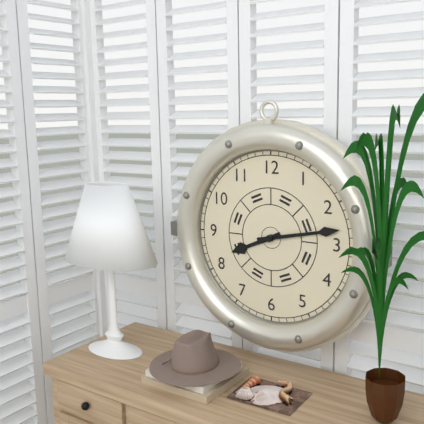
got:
8:13
